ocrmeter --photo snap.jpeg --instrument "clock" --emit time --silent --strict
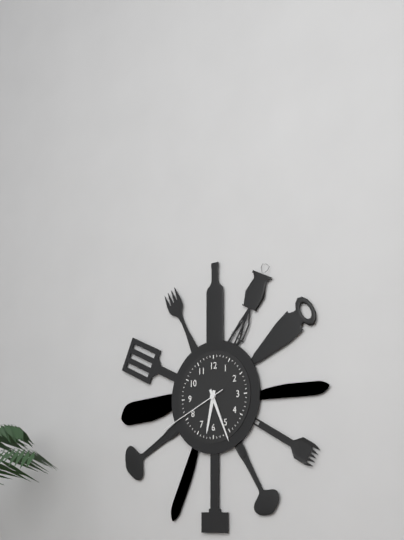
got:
6:26:41
